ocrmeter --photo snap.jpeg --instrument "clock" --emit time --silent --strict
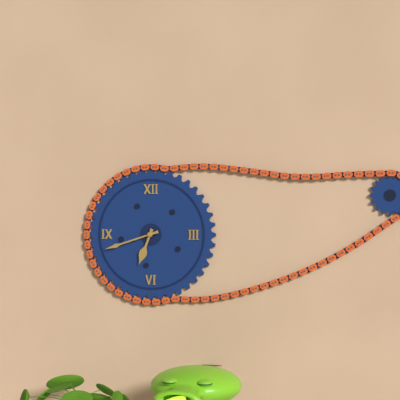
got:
6:42
